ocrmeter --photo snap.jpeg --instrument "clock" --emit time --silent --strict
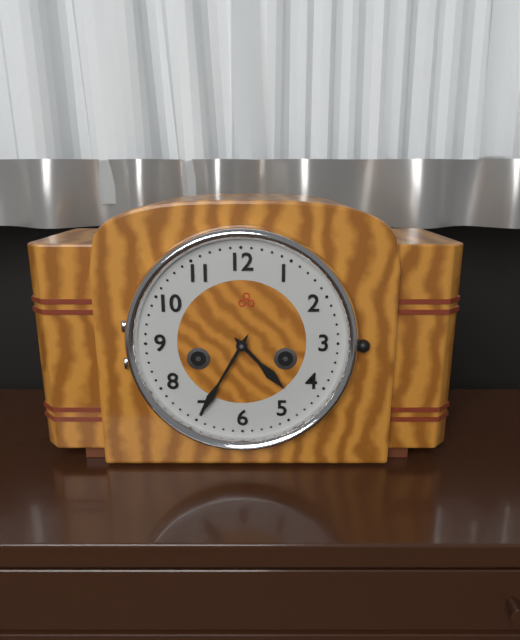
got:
4:35
